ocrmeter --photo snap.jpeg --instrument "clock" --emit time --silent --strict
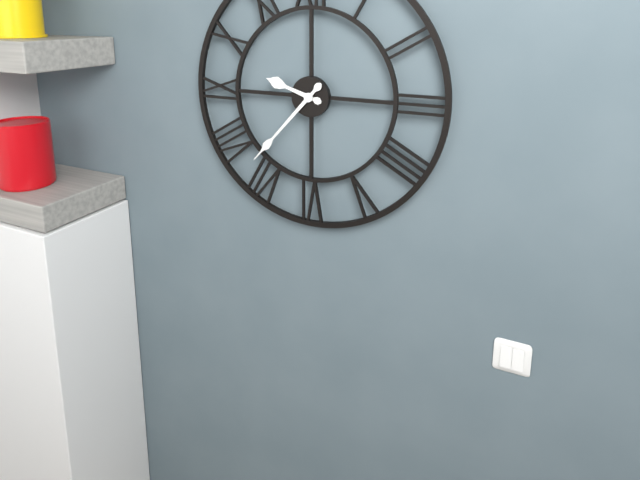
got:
9:37
